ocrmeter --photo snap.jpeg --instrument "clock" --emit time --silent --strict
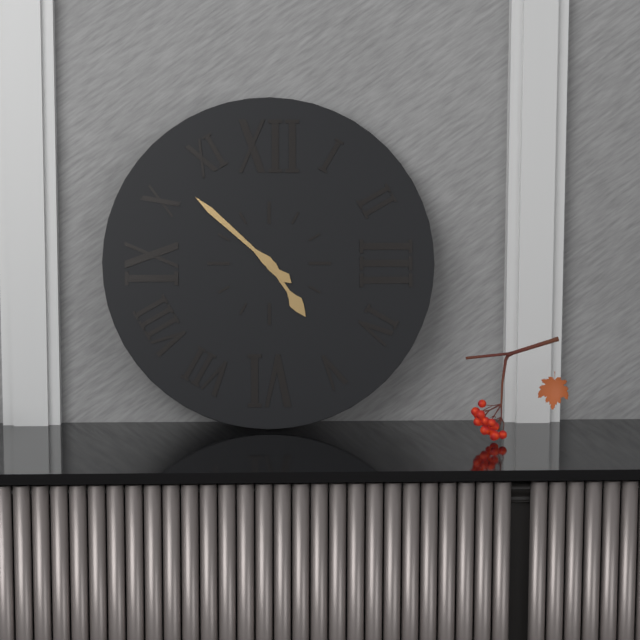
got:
4:52
